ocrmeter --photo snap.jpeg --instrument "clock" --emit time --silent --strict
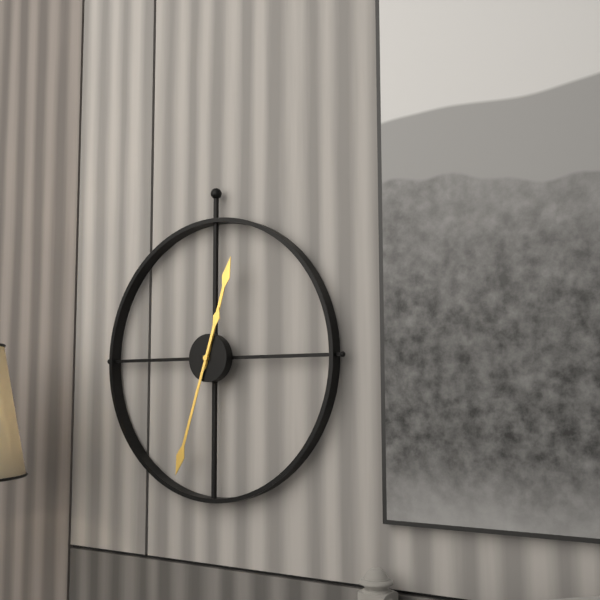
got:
12:33
